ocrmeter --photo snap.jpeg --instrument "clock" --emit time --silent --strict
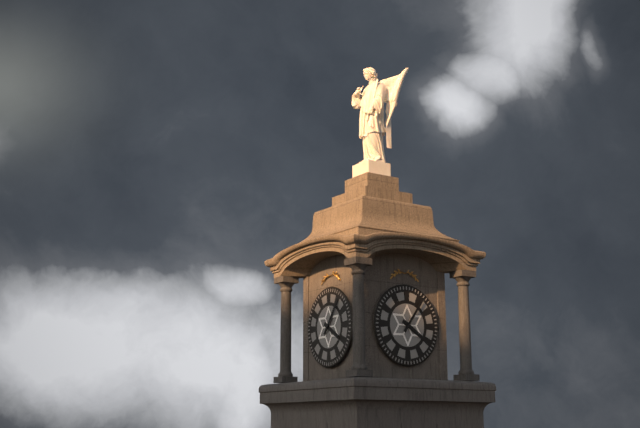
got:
4:06
